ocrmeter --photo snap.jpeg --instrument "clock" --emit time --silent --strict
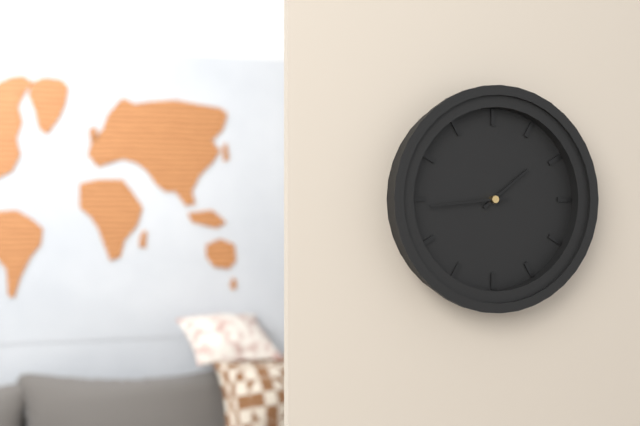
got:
1:44
